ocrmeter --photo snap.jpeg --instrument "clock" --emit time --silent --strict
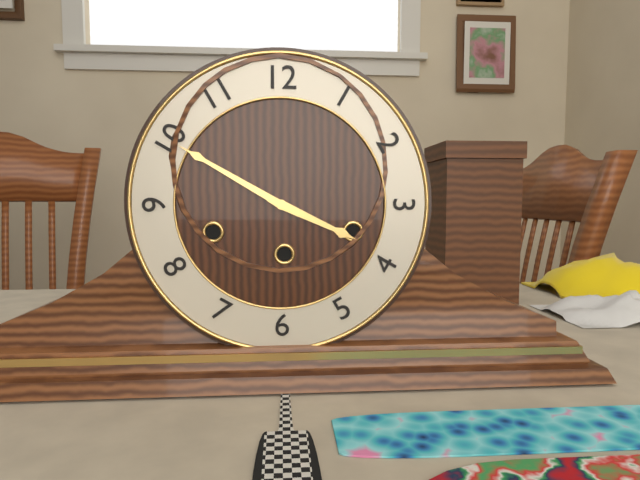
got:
3:50
